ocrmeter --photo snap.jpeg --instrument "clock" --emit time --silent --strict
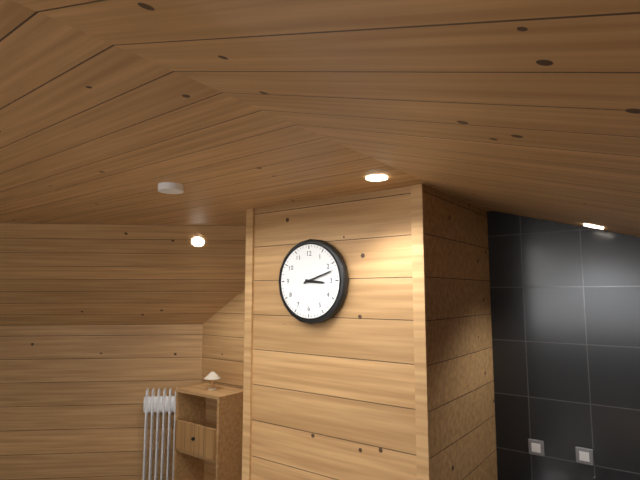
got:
3:12
